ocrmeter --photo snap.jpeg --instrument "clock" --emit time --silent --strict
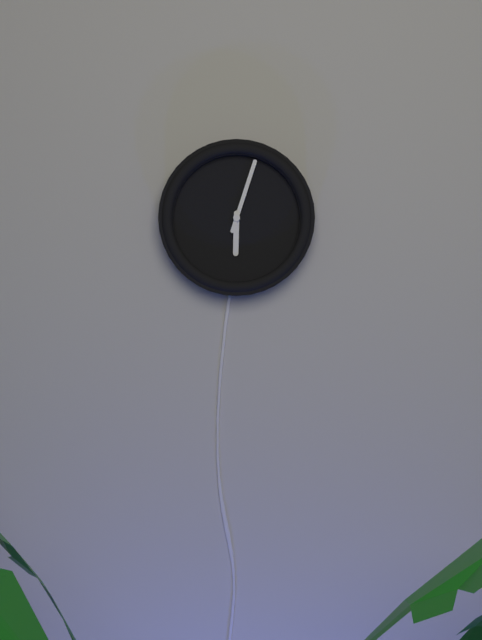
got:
6:03
